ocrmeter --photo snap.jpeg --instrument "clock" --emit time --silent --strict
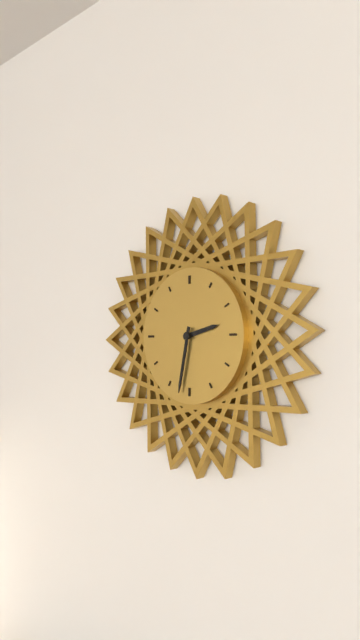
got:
2:32
